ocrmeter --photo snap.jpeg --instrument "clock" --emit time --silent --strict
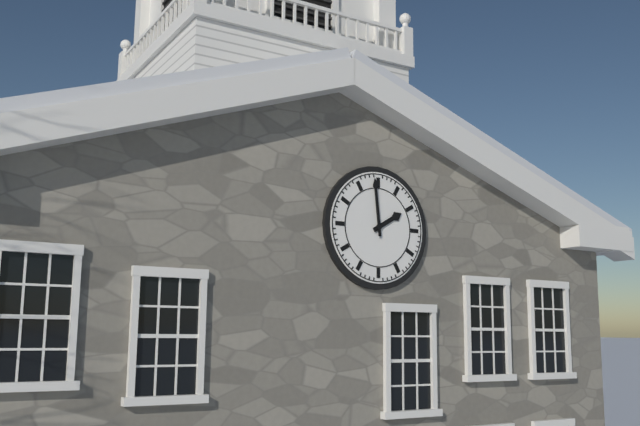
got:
1:59
